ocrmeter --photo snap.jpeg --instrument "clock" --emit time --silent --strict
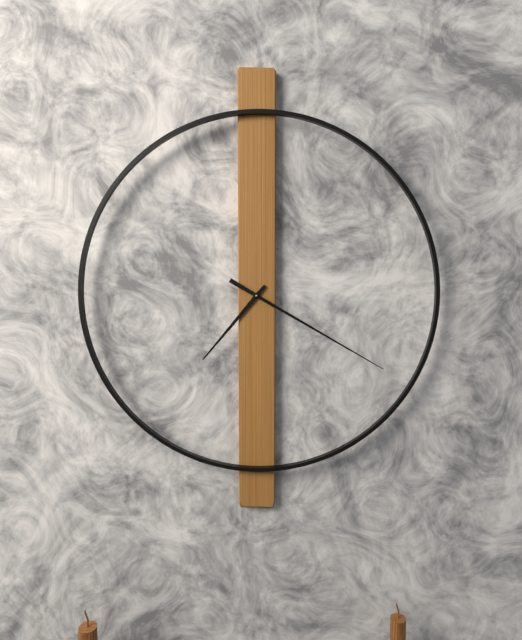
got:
7:20
